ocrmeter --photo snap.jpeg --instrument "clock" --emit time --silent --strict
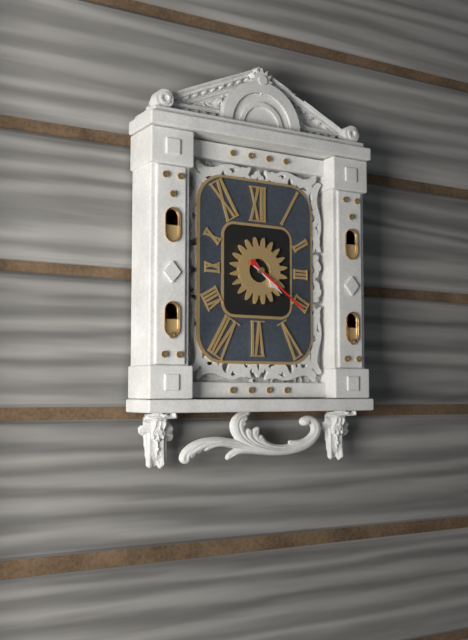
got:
4:21
